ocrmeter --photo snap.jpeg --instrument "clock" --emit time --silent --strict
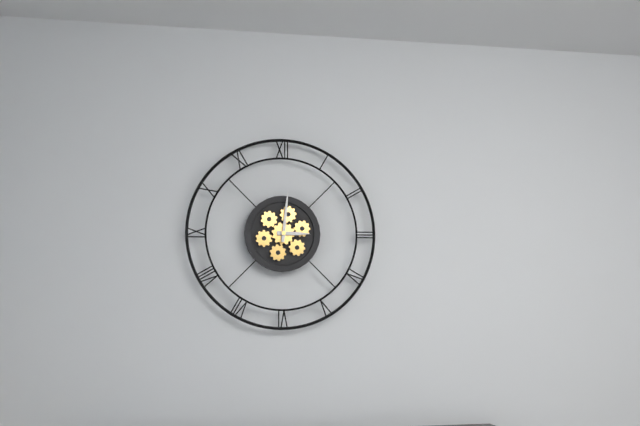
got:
3:01
